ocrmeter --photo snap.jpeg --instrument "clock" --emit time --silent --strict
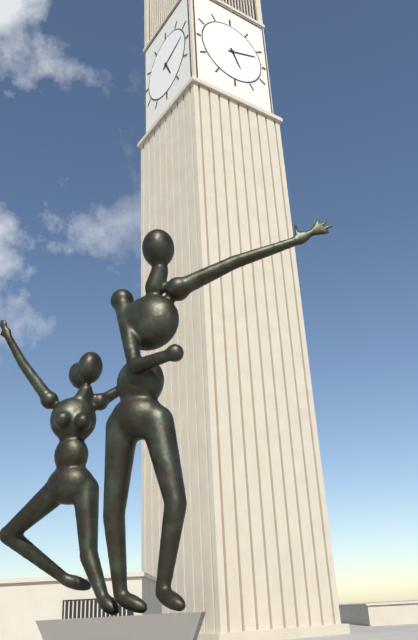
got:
5:12
